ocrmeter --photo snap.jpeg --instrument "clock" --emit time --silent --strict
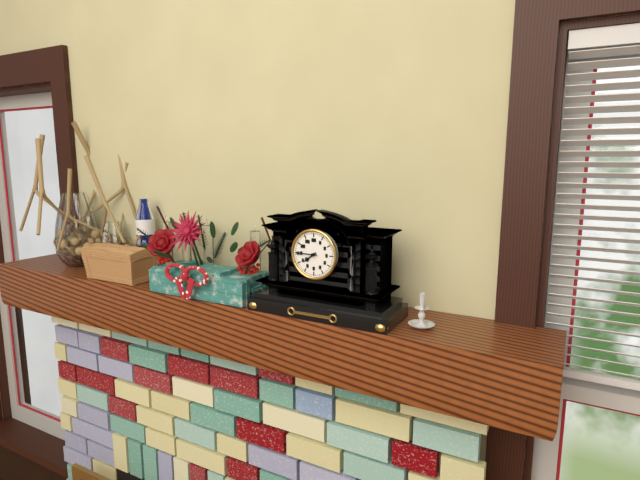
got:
7:45
